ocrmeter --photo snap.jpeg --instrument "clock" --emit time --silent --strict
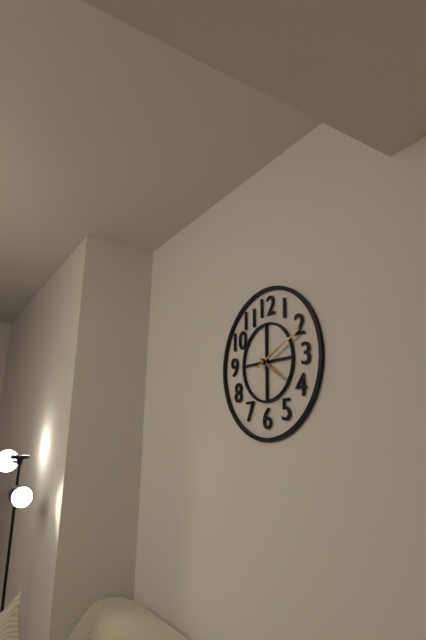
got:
4:11
